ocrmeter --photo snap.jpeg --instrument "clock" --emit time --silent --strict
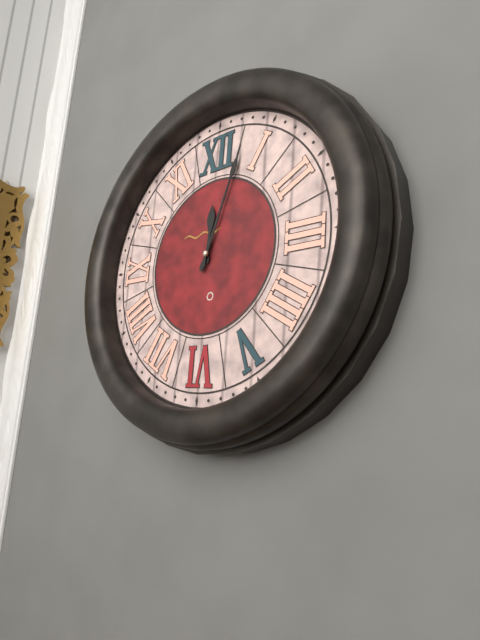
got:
12:03
